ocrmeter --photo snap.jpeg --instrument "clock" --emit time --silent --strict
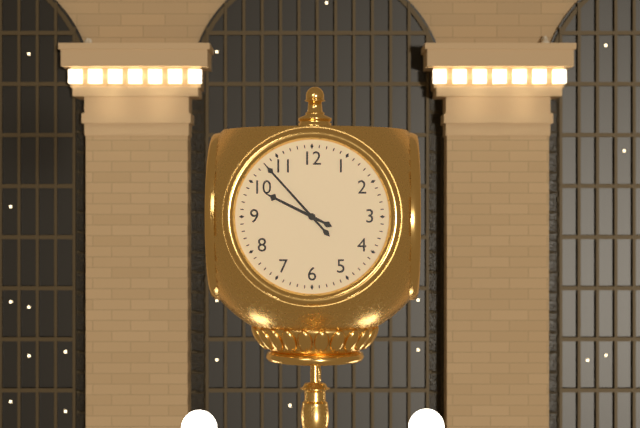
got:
9:53
